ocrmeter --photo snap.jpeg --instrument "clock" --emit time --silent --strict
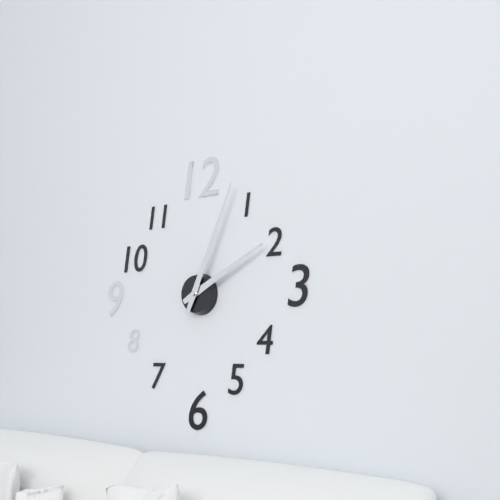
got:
2:04
